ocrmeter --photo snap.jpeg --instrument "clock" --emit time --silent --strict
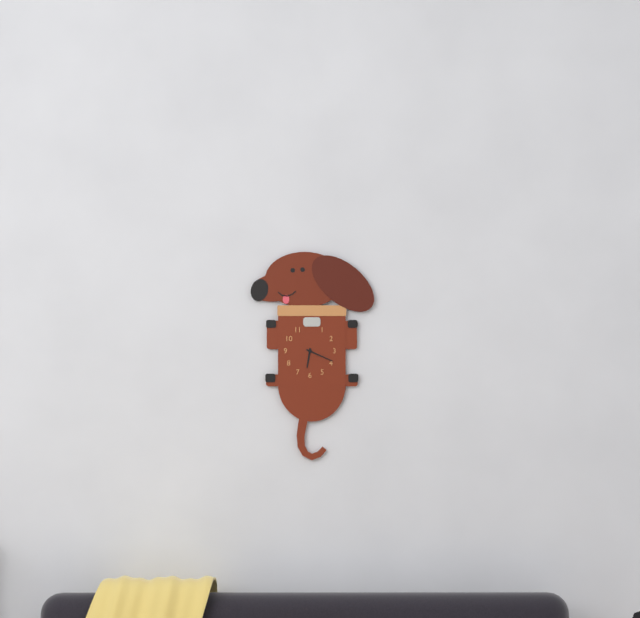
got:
6:19
